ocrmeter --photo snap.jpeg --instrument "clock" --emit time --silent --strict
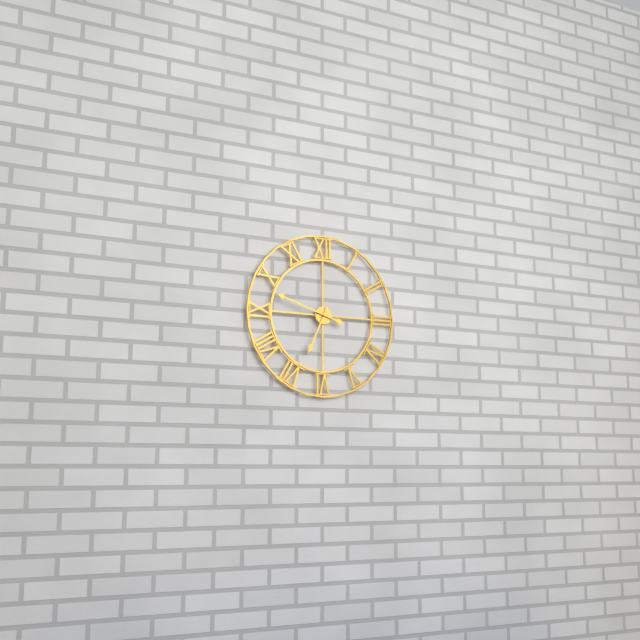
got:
6:48
